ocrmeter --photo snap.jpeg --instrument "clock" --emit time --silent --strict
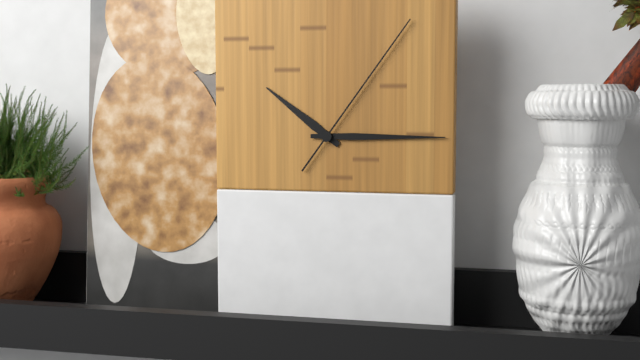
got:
10:15:06
